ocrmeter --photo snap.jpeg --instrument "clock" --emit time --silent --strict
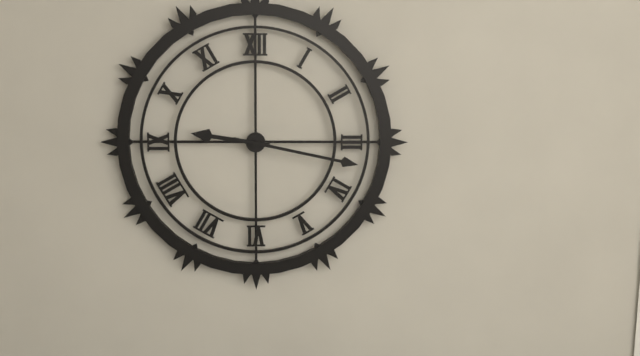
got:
9:17
